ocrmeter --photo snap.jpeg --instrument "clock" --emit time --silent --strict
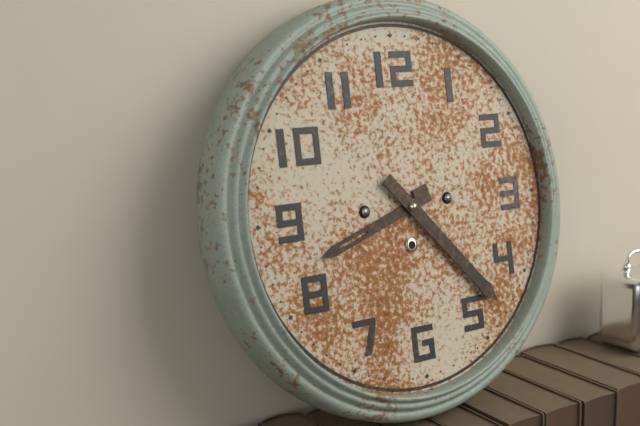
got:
8:23
